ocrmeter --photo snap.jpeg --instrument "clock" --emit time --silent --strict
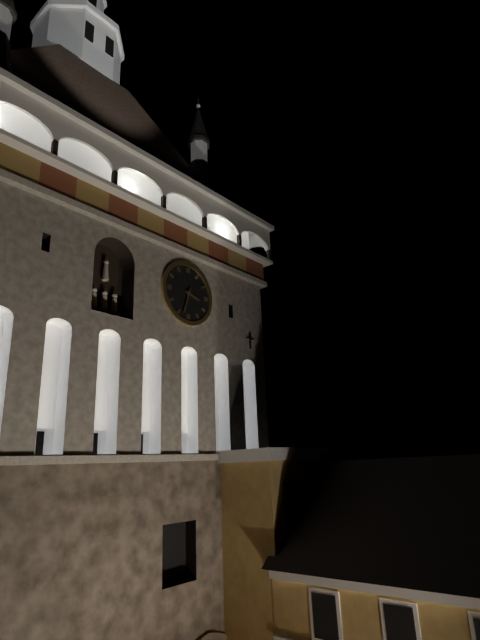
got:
3:33
